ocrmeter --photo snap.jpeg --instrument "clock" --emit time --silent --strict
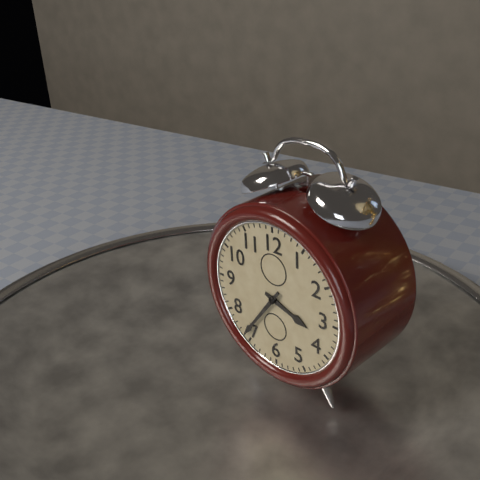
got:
3:36
